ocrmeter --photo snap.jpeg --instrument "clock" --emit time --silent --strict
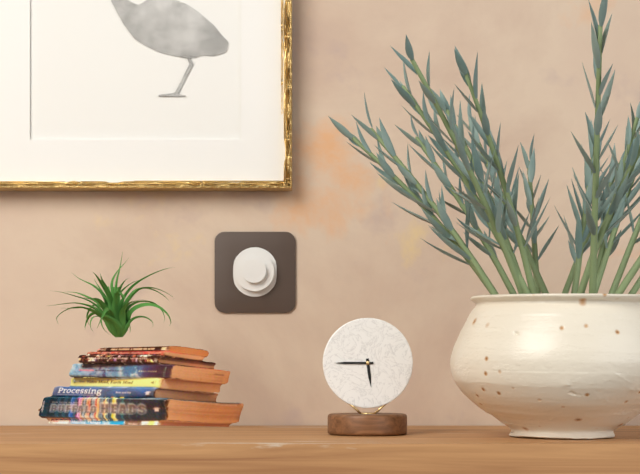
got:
5:45
